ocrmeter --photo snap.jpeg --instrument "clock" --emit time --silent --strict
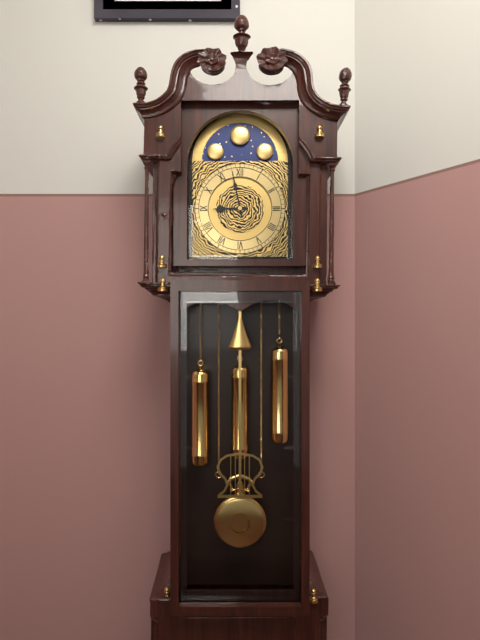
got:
8:58
